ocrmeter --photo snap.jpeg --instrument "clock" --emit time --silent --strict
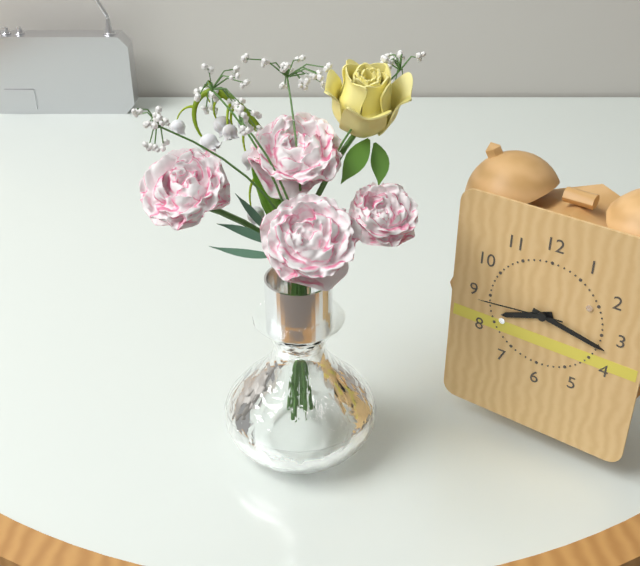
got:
8:17:44
